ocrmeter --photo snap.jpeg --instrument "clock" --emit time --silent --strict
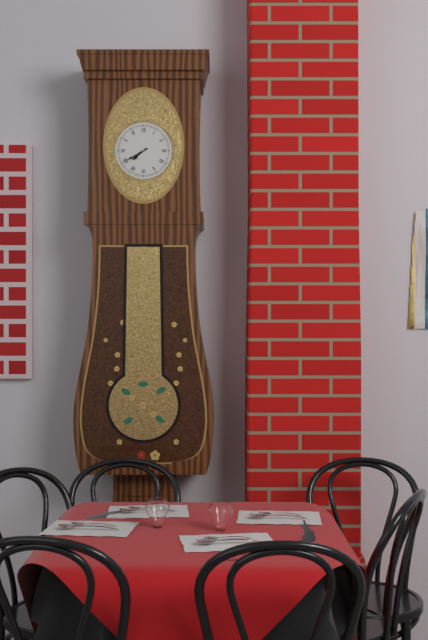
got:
7:40
